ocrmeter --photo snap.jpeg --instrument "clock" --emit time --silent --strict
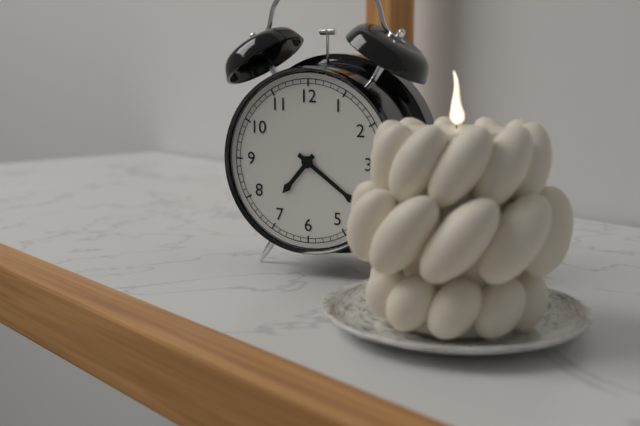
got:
7:21
